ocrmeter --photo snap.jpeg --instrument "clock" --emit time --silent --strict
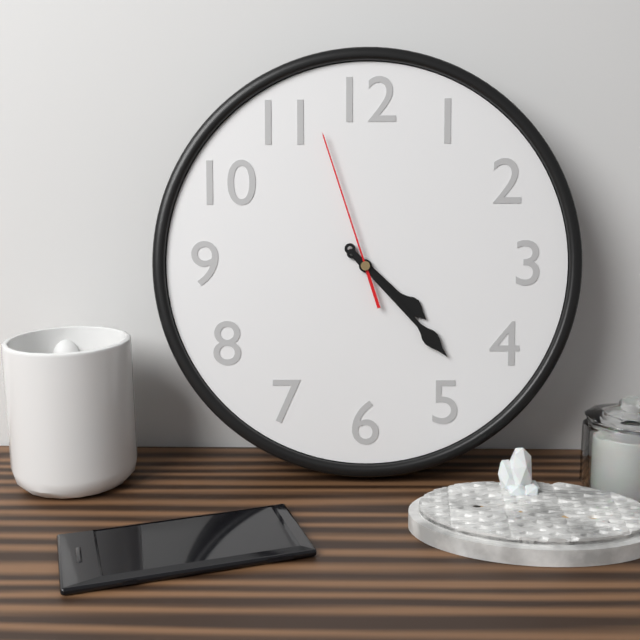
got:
4:23:57
